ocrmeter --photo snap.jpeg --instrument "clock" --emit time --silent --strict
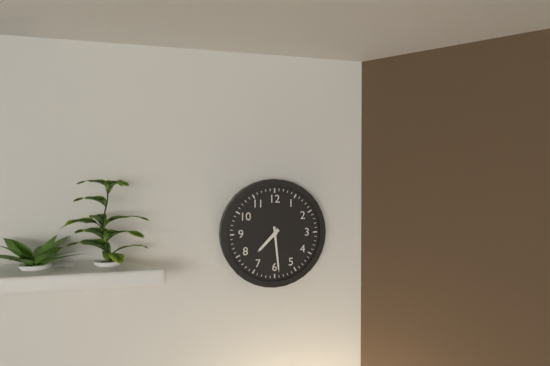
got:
7:29
